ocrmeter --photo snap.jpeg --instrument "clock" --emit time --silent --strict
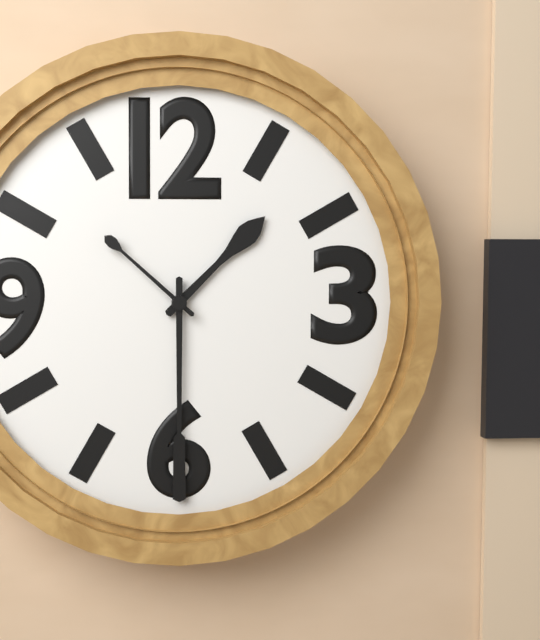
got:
1:30:52
